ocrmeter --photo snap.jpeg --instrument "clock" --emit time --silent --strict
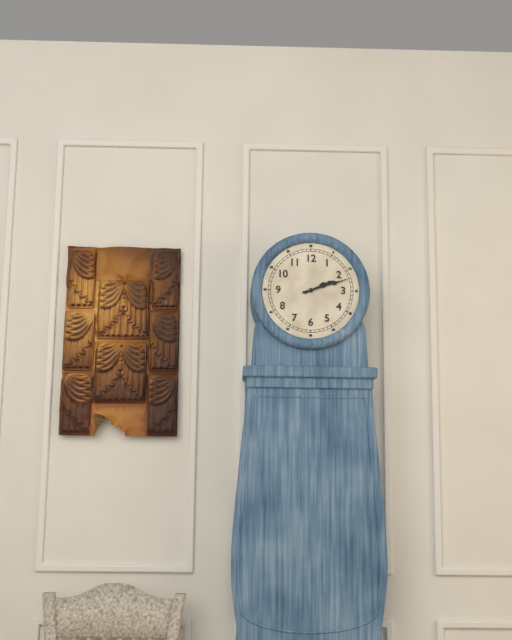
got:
2:12
